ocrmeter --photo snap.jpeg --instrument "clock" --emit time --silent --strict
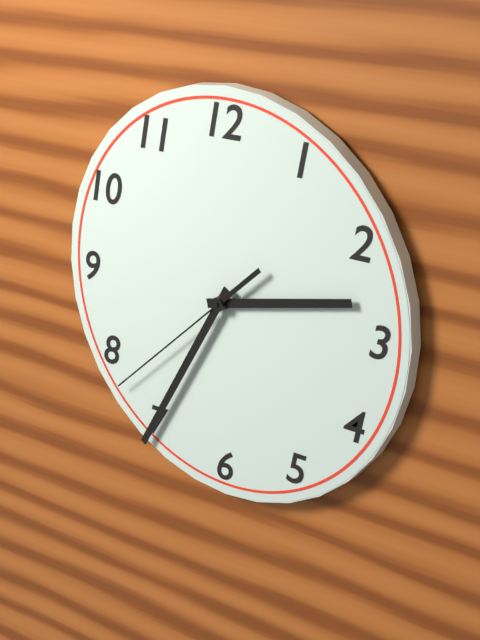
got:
2:35:38
